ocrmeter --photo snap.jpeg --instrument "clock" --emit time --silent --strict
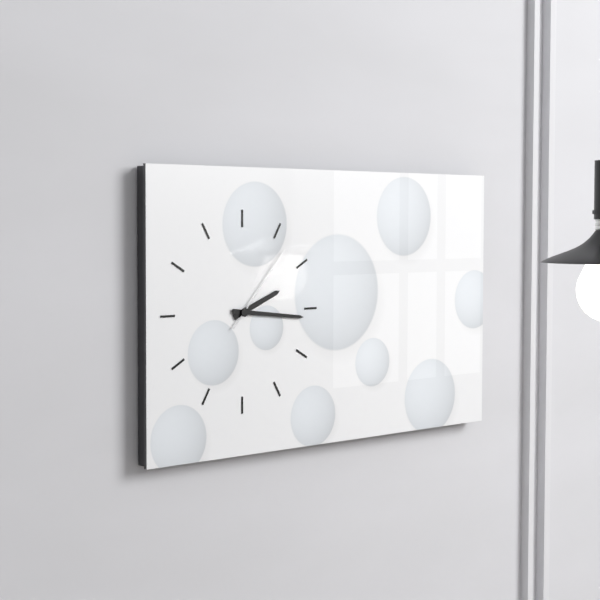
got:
2:16:07
